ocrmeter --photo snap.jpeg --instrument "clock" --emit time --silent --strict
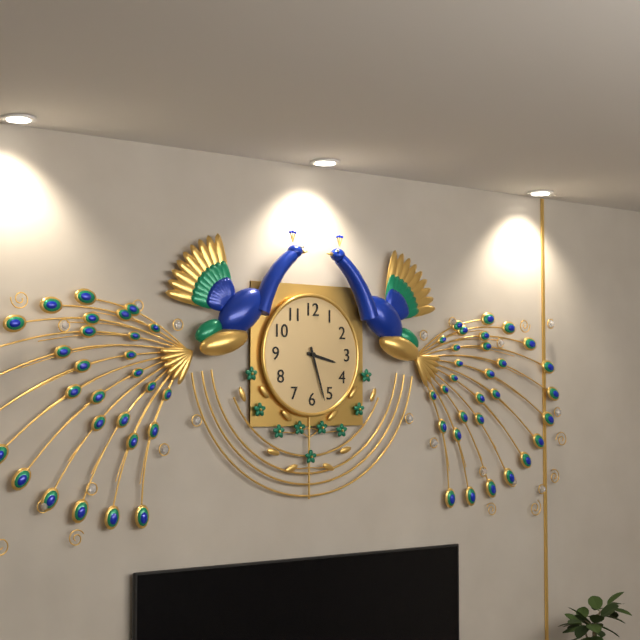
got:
3:27
